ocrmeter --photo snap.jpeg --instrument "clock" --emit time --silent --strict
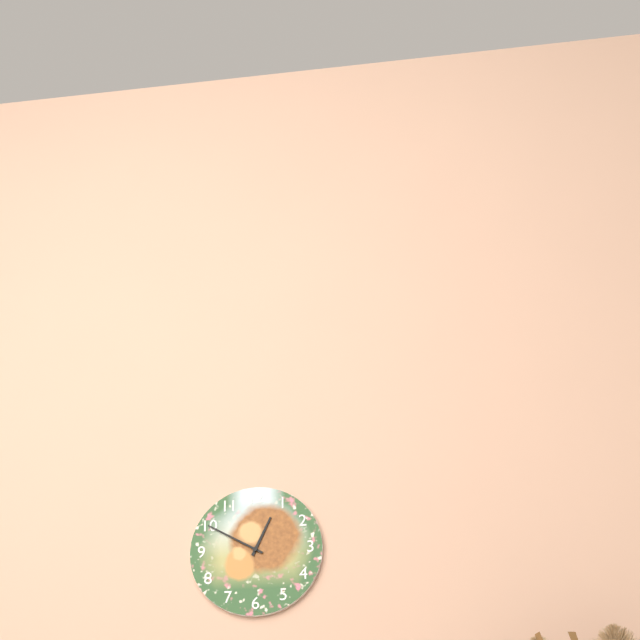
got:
12:50
